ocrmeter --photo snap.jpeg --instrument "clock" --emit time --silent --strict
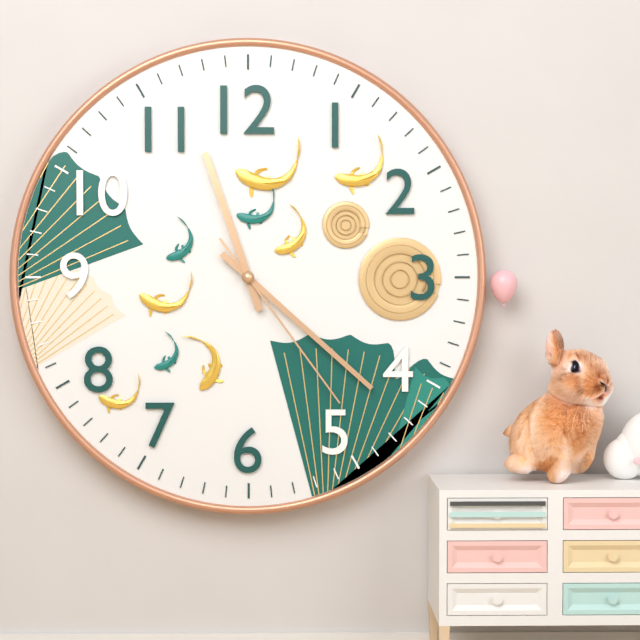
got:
11:22:24
